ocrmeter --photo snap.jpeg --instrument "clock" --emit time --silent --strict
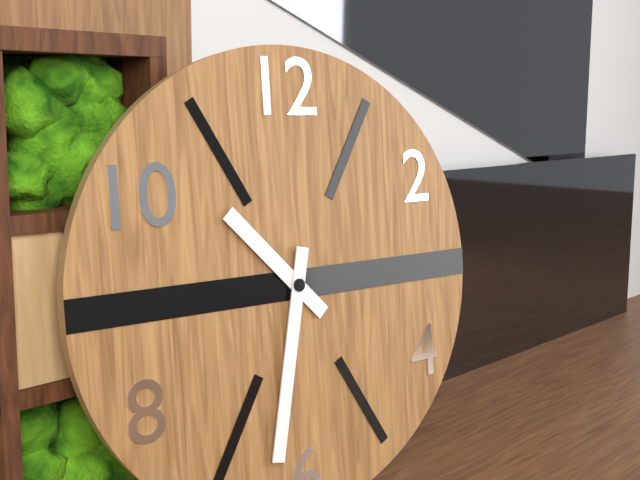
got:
10:32
